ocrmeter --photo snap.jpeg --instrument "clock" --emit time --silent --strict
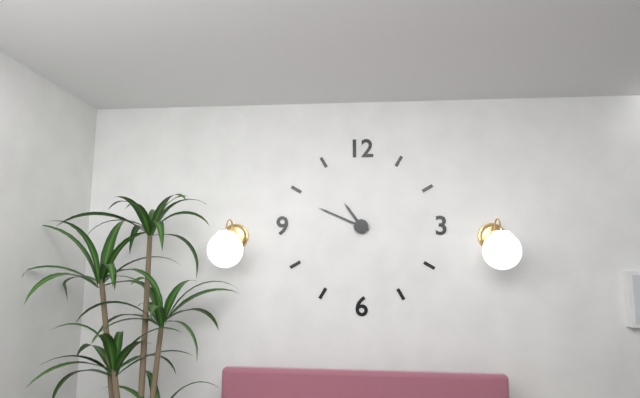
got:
10:49
